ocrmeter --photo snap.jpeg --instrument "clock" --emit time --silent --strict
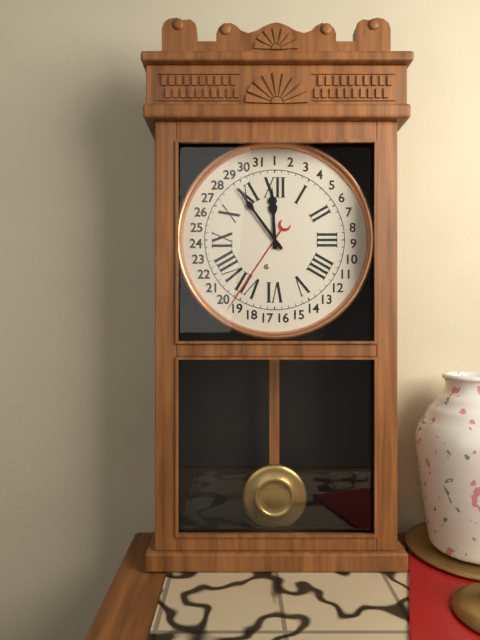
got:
11:54
